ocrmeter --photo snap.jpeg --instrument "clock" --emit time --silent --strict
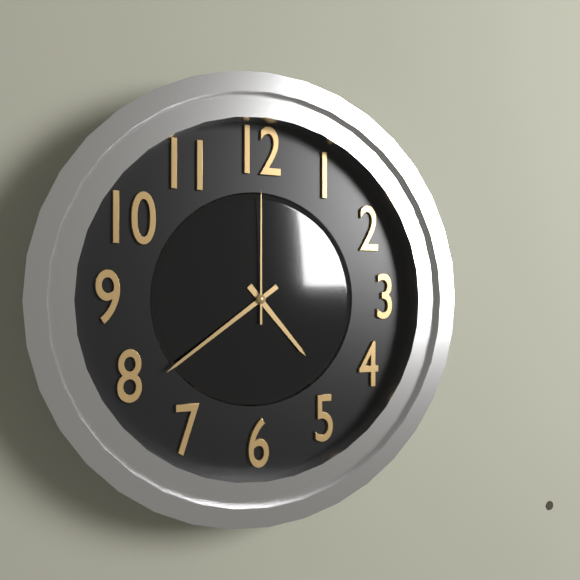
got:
4:39:00
